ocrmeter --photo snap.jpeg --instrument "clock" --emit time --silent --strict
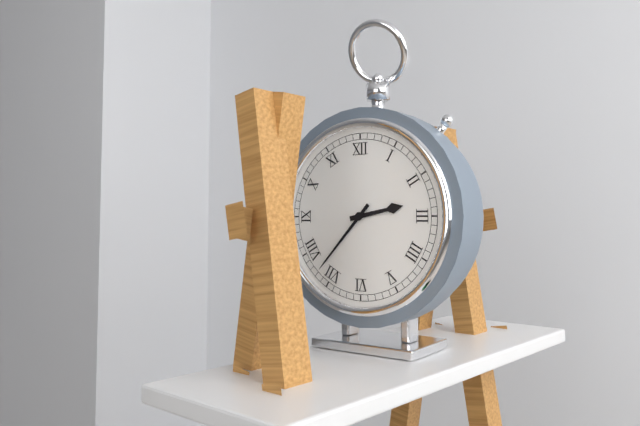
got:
2:37
